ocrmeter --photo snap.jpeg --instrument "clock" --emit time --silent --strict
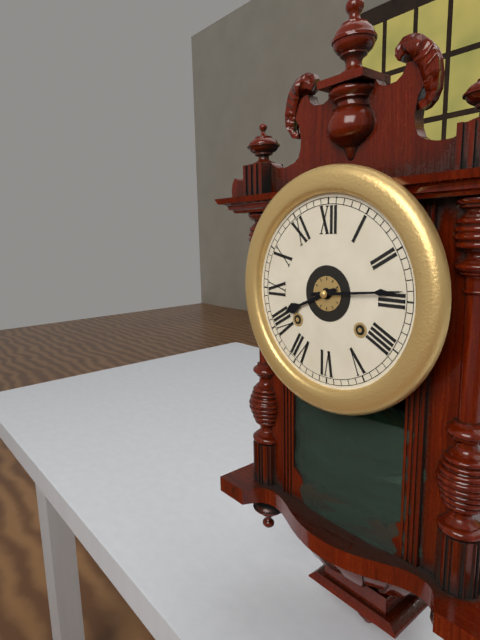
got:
8:14
